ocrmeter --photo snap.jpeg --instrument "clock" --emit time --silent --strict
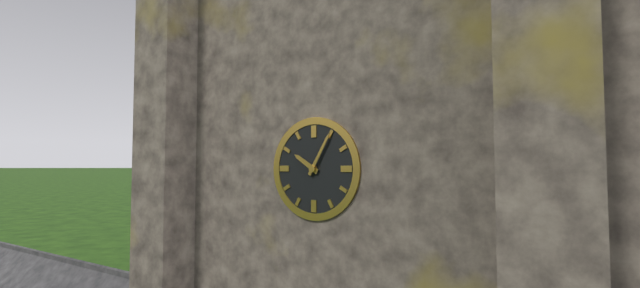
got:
10:05
